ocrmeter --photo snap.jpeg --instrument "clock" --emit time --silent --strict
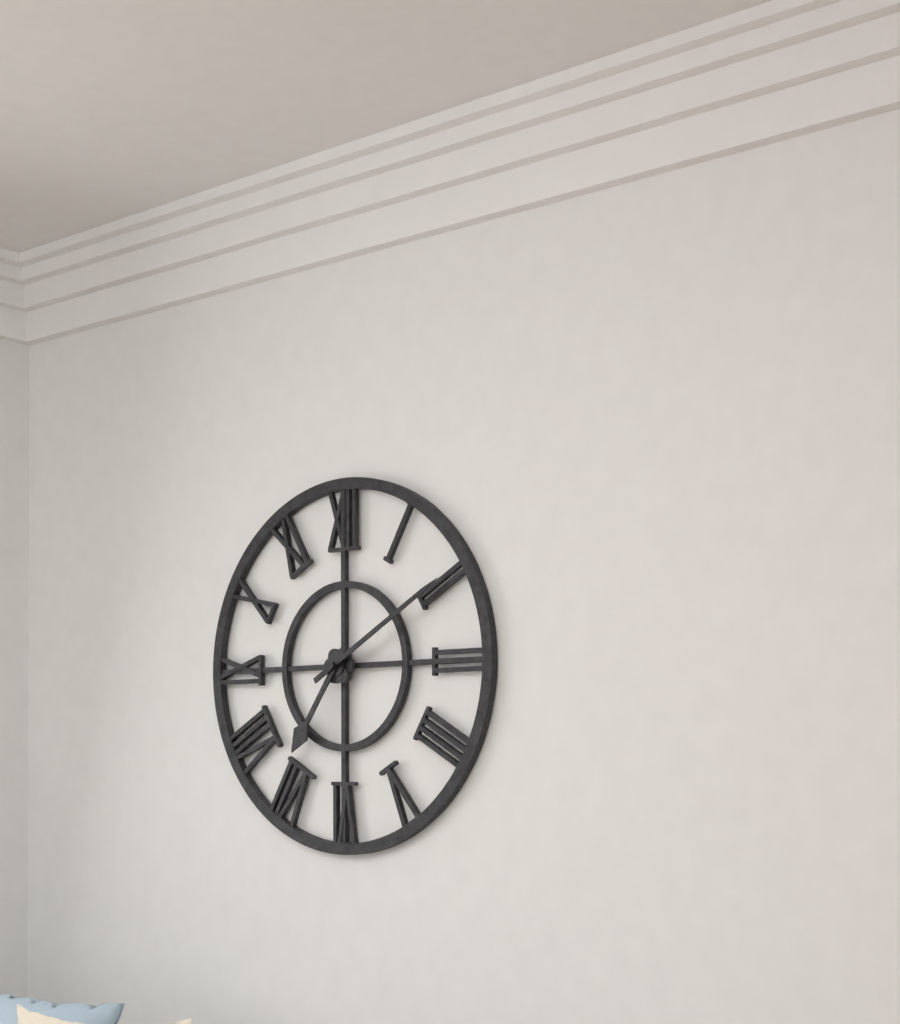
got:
7:10
